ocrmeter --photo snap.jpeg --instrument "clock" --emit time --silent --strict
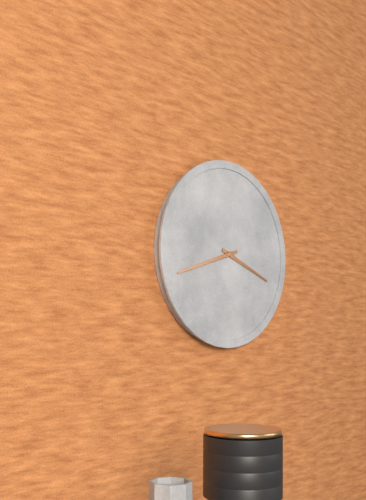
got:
3:42
